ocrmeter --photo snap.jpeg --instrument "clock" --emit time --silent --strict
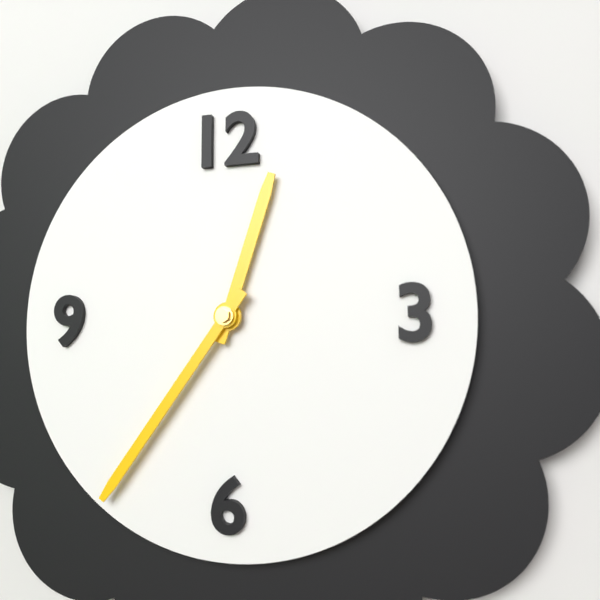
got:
12:36
